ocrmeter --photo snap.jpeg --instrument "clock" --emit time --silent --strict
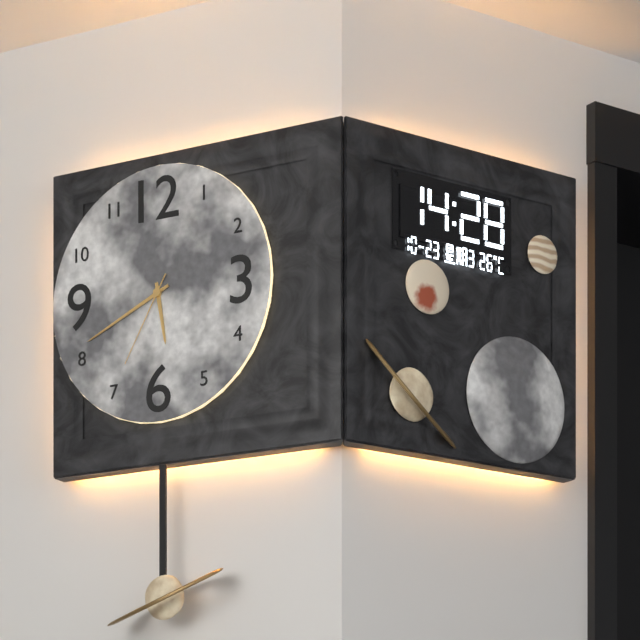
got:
5:41:35
